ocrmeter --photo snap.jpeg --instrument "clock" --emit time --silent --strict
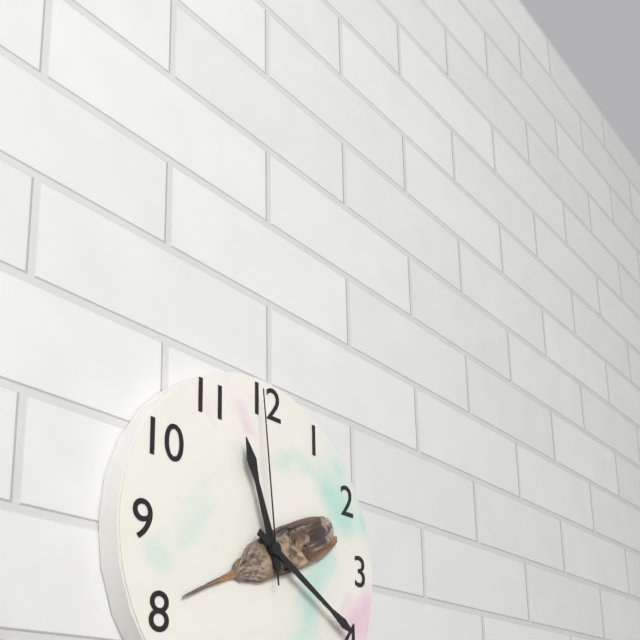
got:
11:20:59
